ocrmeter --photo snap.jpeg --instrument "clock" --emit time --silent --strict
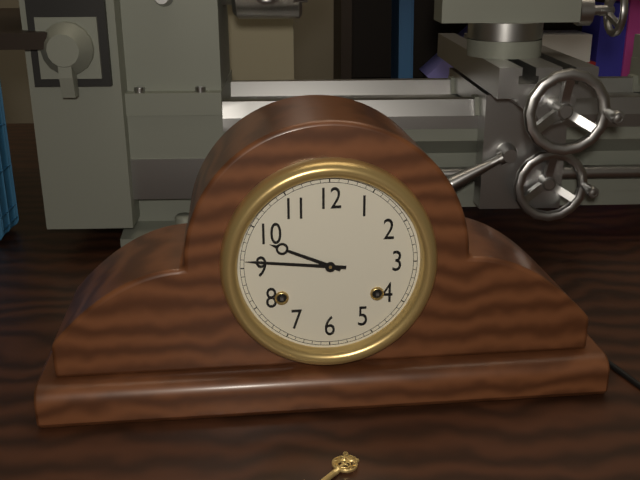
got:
9:46
